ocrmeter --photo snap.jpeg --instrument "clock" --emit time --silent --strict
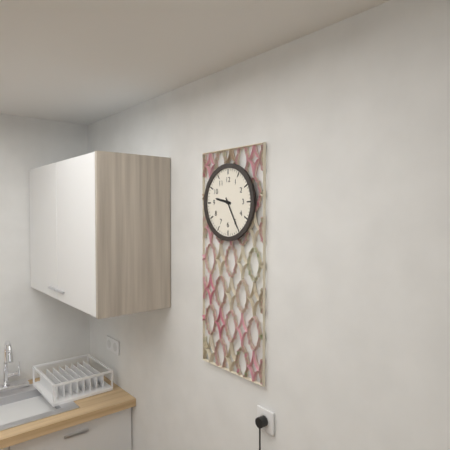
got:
9:25
